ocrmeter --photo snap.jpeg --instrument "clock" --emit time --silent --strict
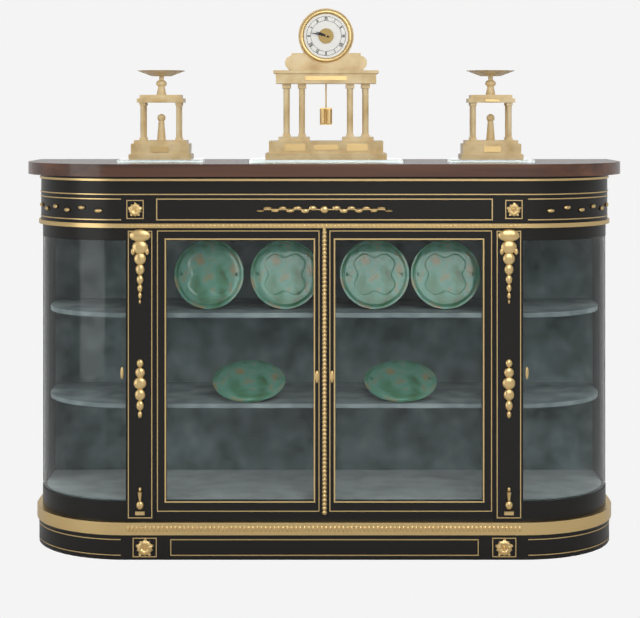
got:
9:47
